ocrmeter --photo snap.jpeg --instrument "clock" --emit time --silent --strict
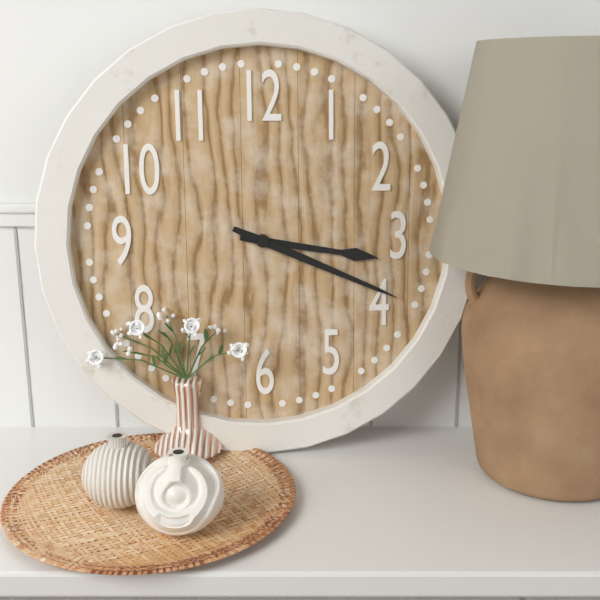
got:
3:19
